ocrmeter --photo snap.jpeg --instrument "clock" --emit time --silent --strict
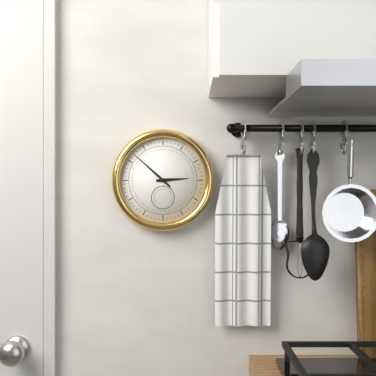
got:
2:52
